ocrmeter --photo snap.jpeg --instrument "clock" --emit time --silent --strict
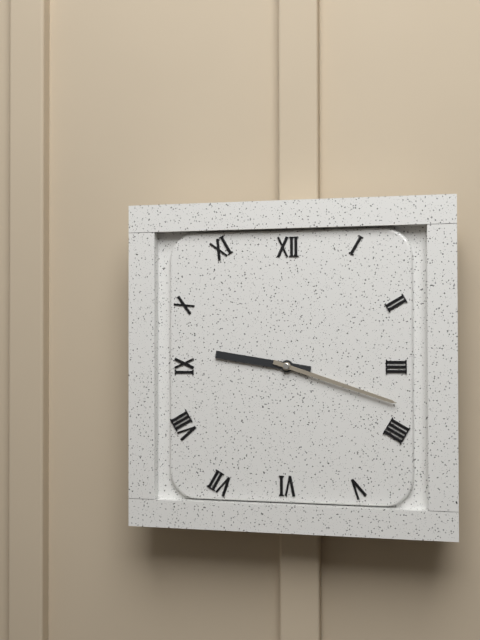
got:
9:18
